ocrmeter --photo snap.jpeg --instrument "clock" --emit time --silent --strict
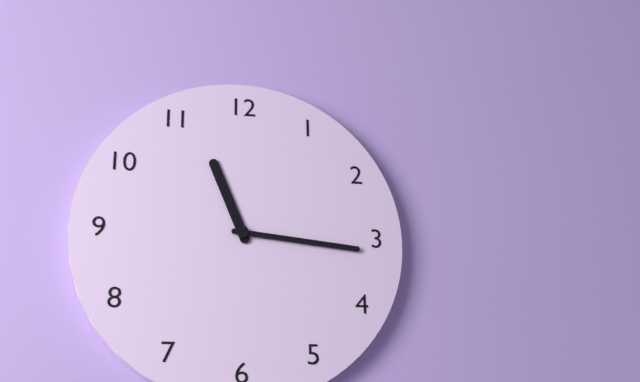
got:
11:16
